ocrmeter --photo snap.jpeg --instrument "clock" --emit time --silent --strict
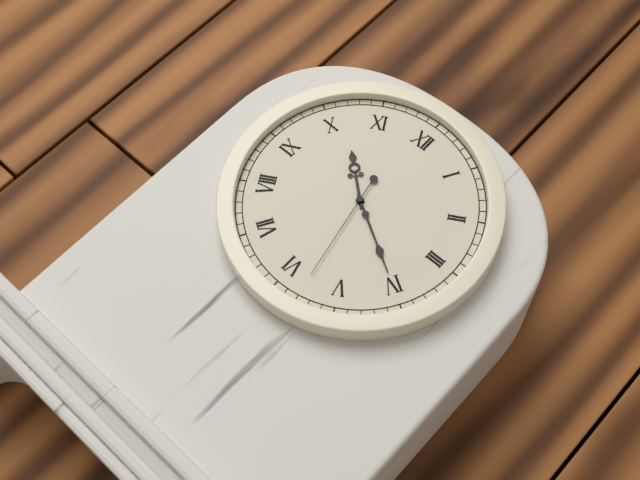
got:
10:20:28
